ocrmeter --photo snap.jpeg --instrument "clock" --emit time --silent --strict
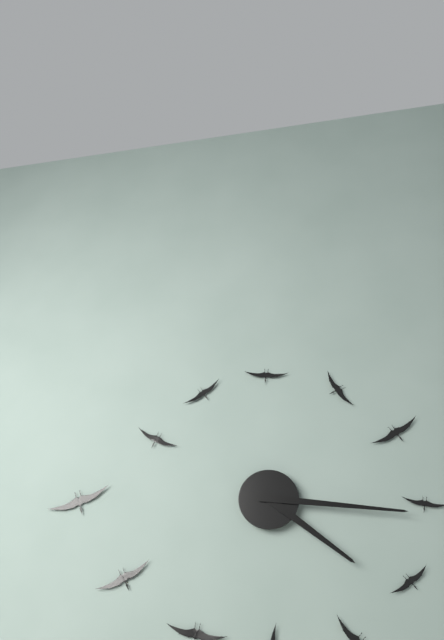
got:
4:16
